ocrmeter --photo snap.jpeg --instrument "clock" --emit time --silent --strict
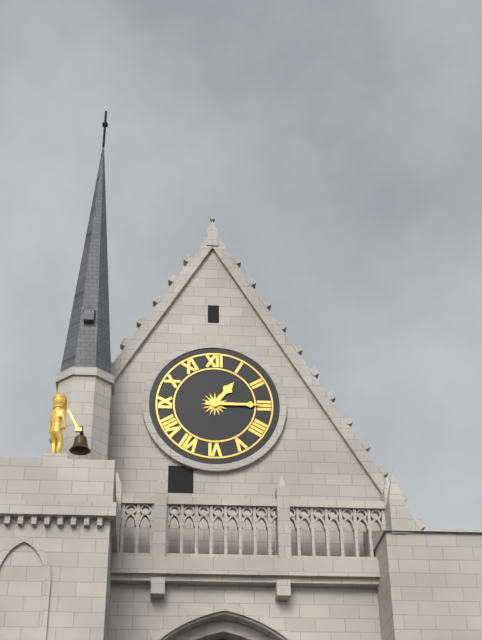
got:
1:15
